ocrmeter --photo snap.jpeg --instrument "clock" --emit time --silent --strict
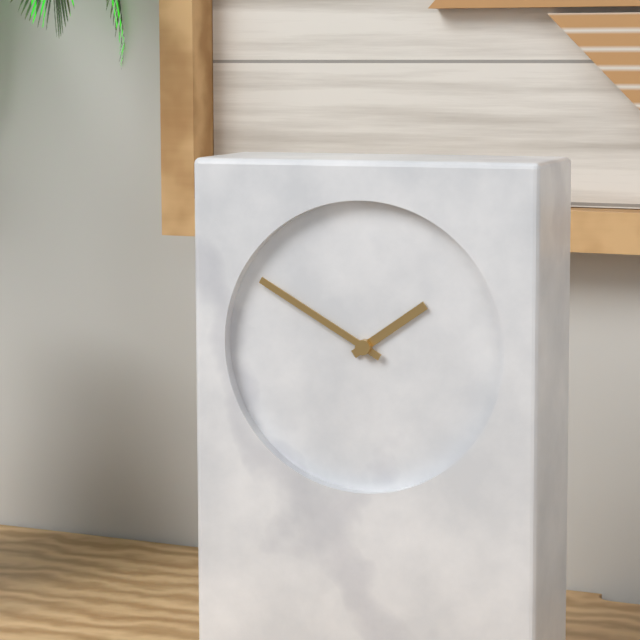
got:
1:50
